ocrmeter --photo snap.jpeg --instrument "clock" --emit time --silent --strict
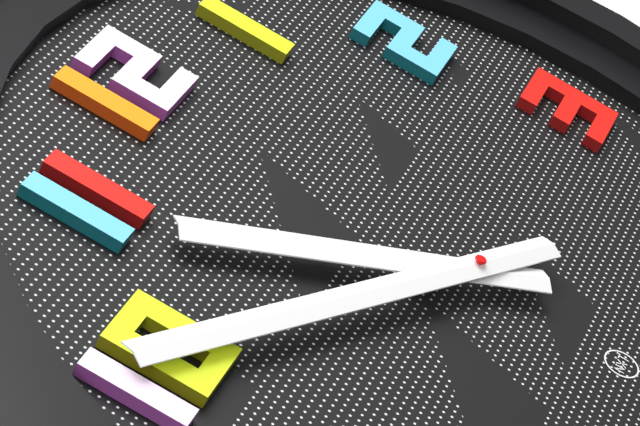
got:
10:50
